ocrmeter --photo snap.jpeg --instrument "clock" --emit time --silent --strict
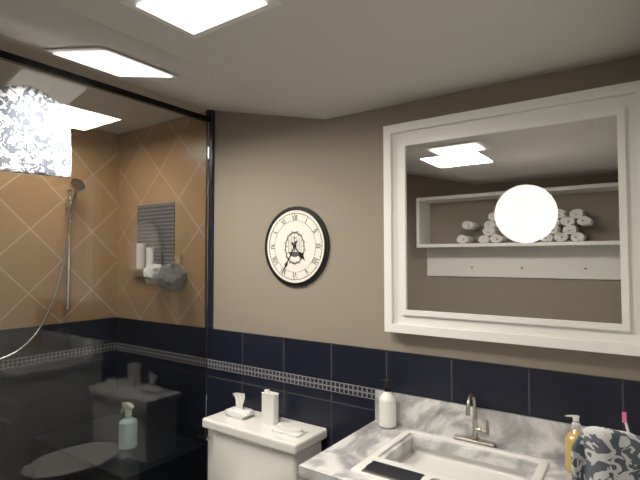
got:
4:35
